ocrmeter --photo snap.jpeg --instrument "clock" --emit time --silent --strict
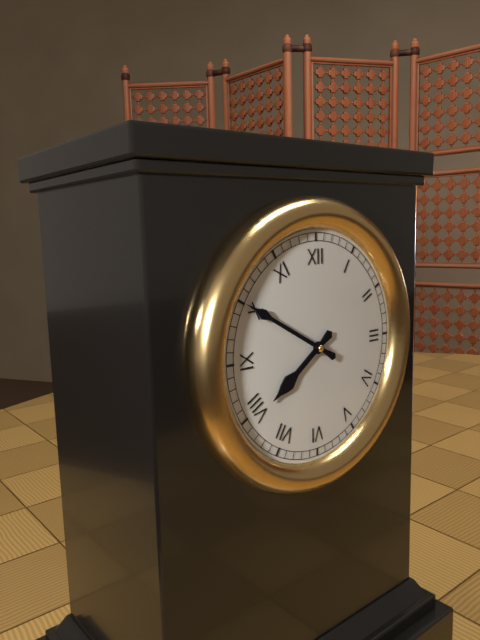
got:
7:50
